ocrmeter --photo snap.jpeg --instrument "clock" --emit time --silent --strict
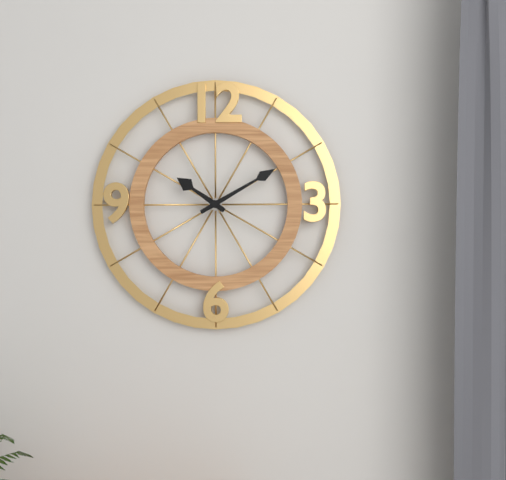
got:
10:10
